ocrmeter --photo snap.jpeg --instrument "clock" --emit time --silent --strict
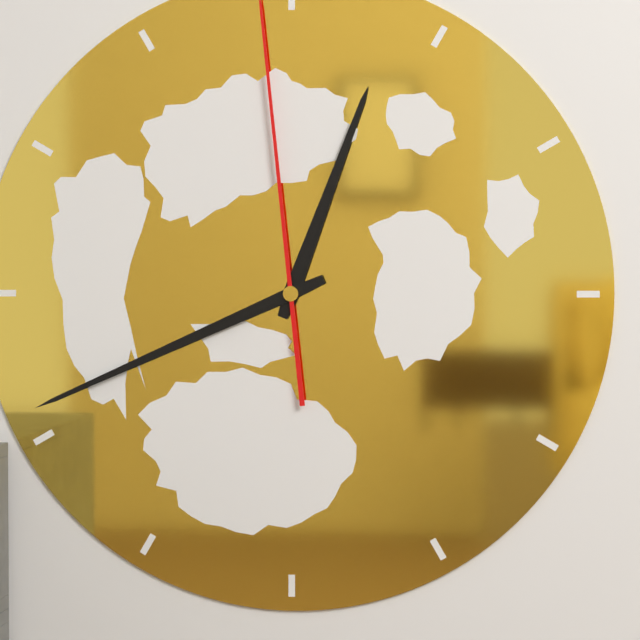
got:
12:41
